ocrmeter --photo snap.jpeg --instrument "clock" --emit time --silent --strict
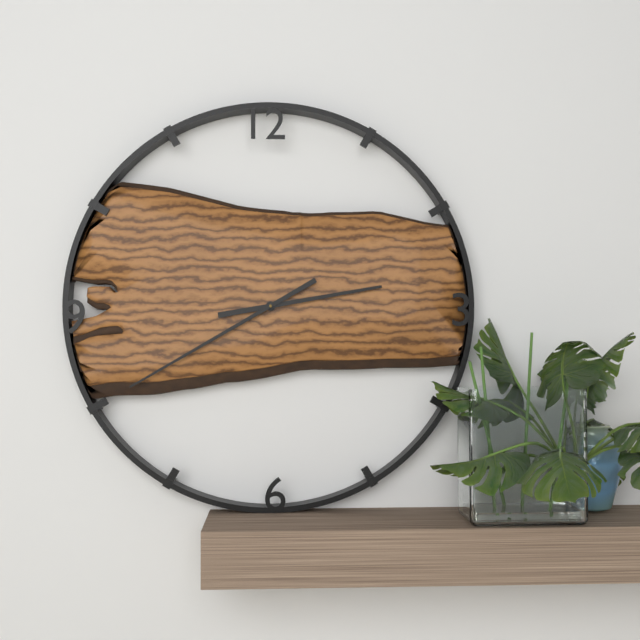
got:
2:40
